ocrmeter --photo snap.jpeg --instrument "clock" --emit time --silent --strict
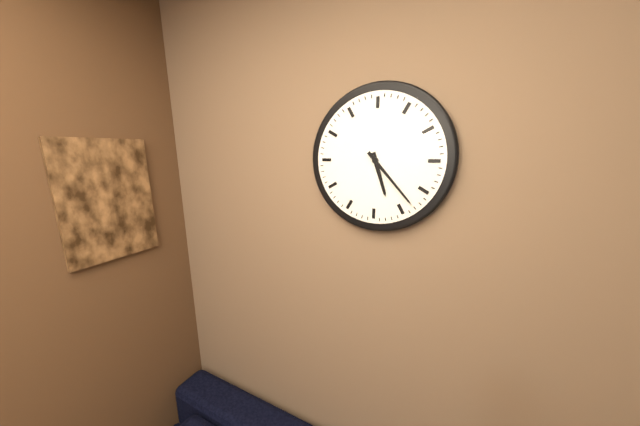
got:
5:23
